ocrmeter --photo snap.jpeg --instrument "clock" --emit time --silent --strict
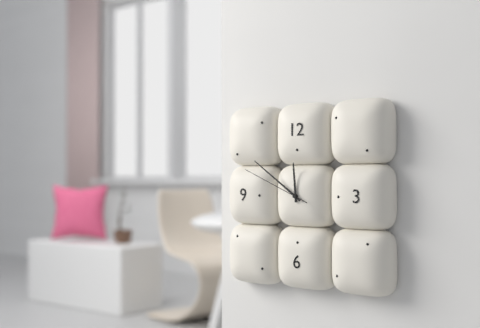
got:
11:51:49
